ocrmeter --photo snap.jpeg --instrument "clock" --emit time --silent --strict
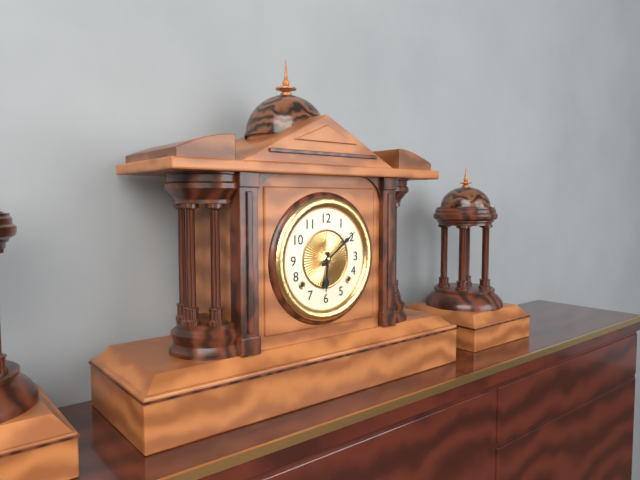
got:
6:09
